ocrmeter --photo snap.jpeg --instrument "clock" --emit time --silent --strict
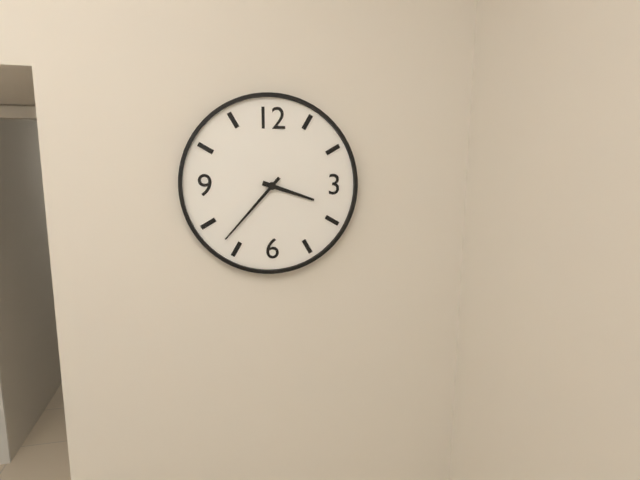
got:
3:37
